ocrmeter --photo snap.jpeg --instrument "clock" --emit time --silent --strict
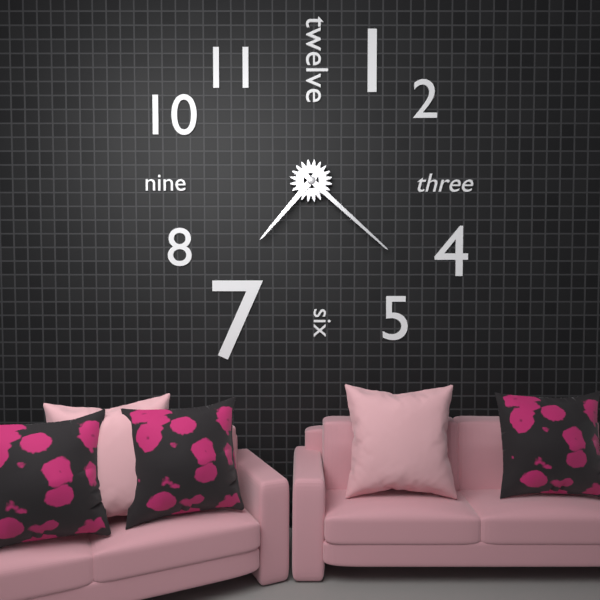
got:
7:22
